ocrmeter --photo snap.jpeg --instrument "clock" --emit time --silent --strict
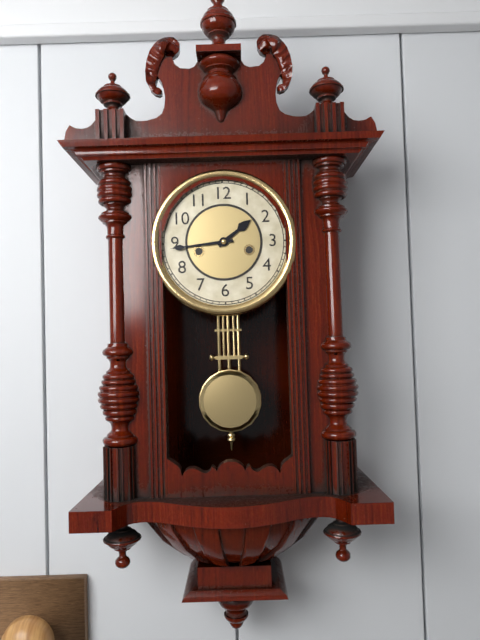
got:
1:44
